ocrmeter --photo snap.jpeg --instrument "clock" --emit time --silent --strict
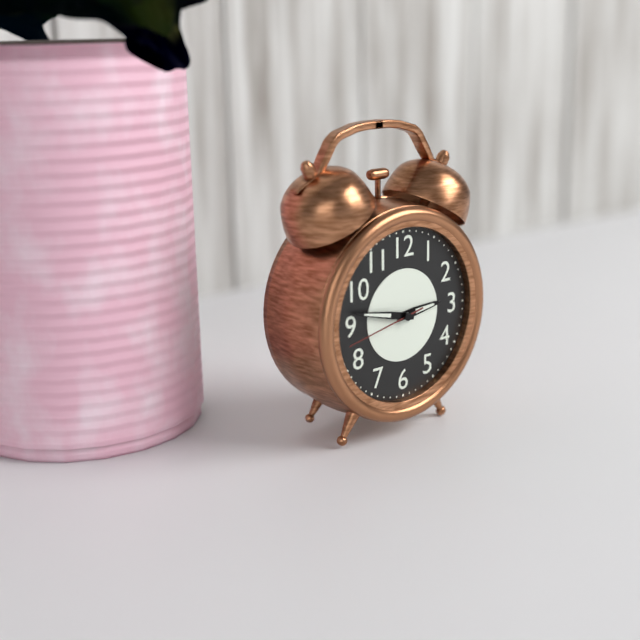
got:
2:47:43
